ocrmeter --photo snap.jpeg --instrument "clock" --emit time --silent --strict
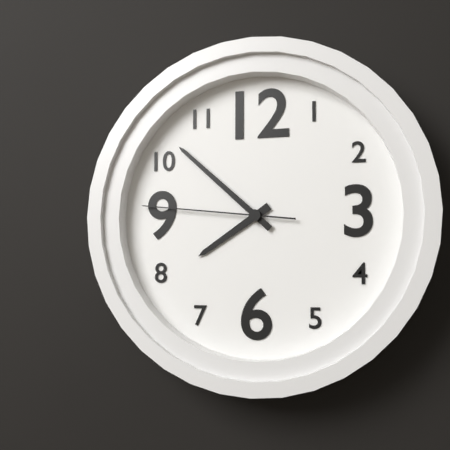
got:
7:52:46
